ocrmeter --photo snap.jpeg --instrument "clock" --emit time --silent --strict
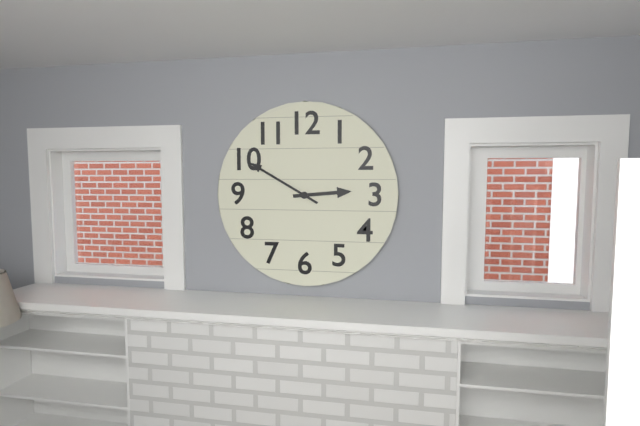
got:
2:50
